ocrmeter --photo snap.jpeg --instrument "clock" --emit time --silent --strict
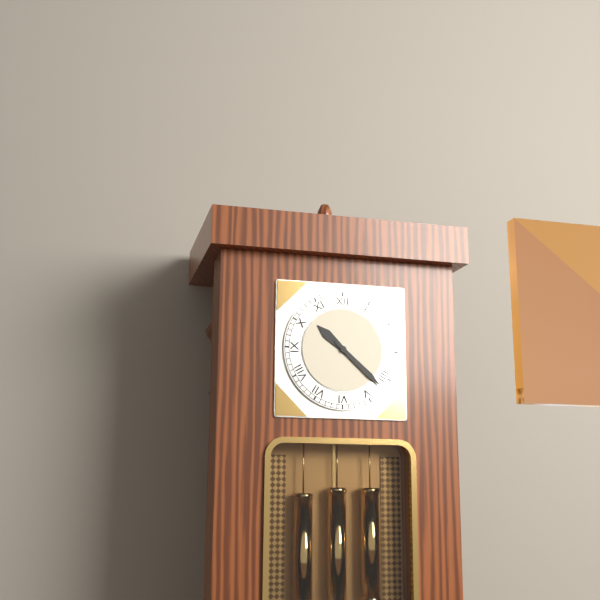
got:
10:22
